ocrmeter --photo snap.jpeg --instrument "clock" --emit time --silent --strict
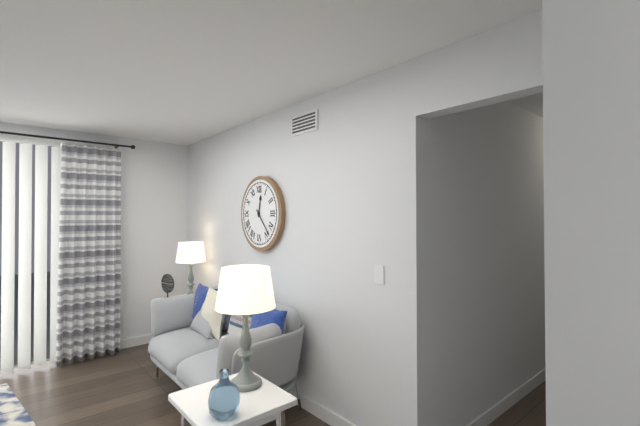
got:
12:23
